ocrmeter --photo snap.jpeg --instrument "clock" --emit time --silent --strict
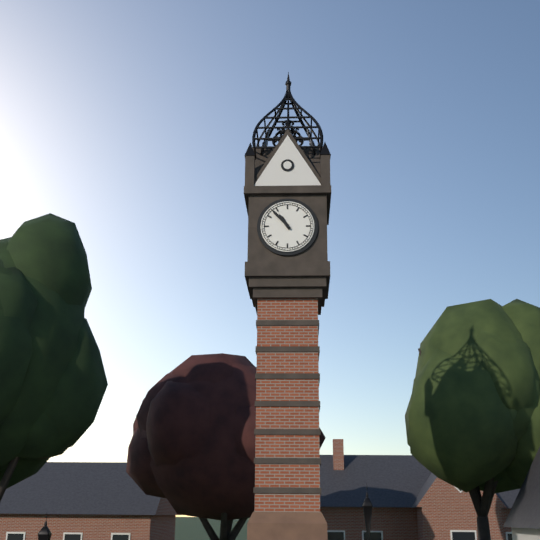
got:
10:53
